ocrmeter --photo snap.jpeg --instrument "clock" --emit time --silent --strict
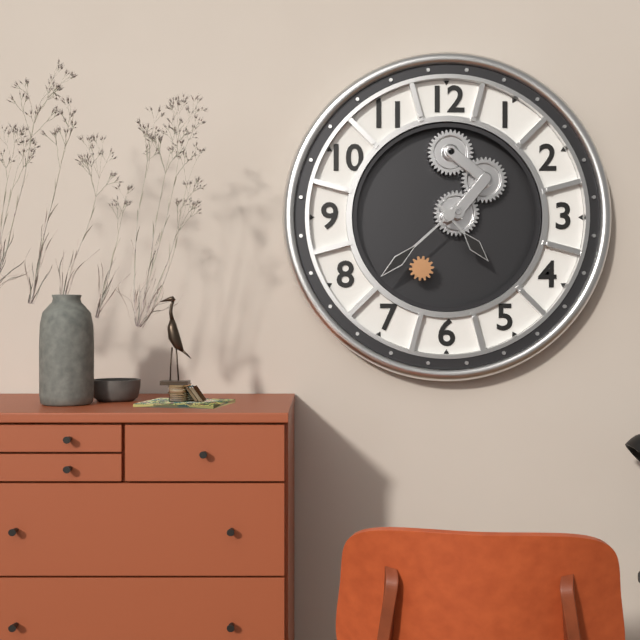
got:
4:38
